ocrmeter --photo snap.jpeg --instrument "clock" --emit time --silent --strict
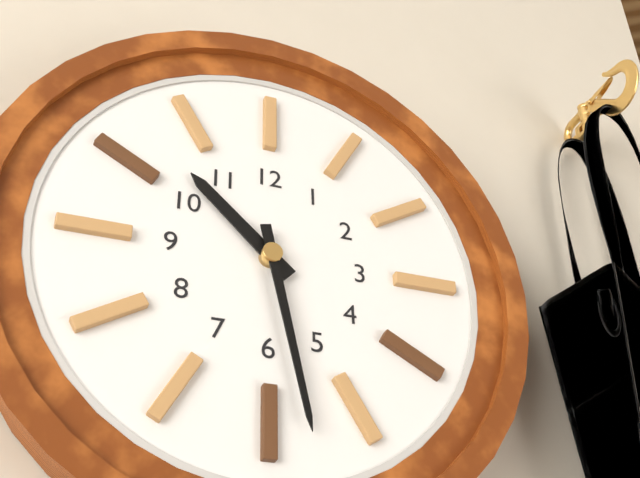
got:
10:28
